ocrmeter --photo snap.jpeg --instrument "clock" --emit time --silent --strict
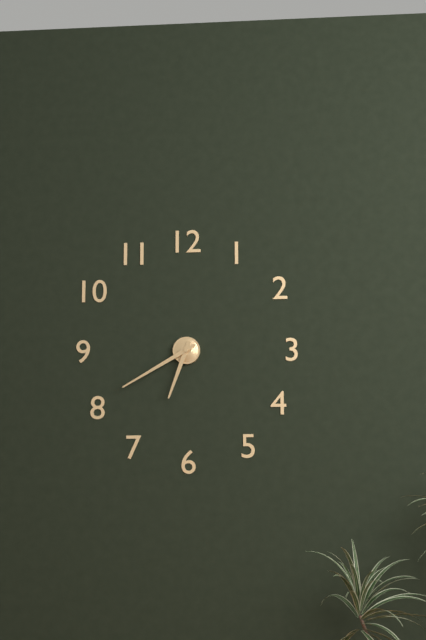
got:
6:40
